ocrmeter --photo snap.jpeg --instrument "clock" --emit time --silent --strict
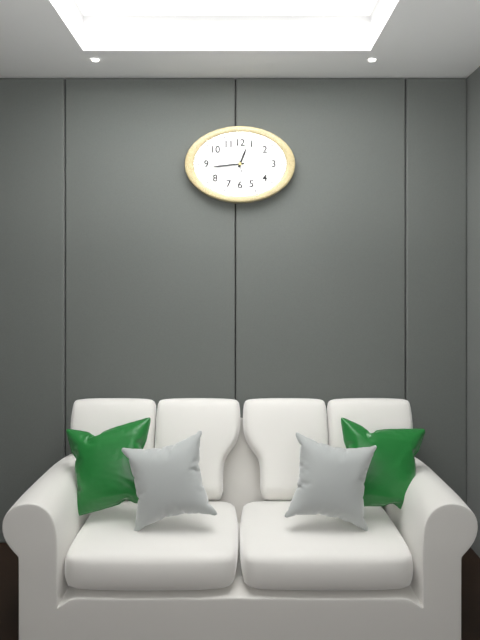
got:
12:44
